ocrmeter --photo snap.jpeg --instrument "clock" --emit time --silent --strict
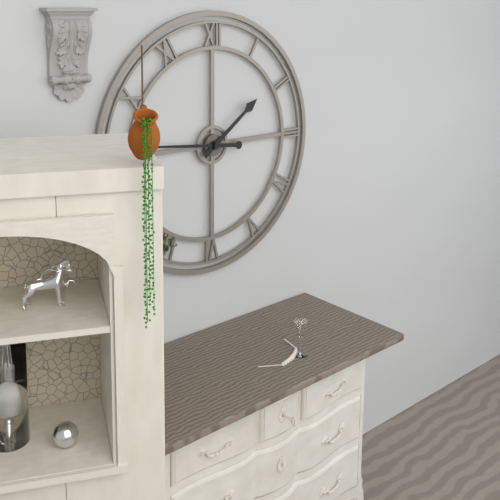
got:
1:46
